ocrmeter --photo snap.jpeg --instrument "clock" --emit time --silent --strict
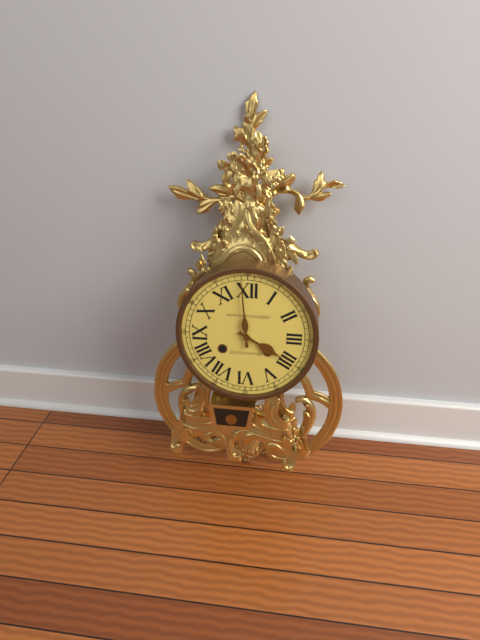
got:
3:59
